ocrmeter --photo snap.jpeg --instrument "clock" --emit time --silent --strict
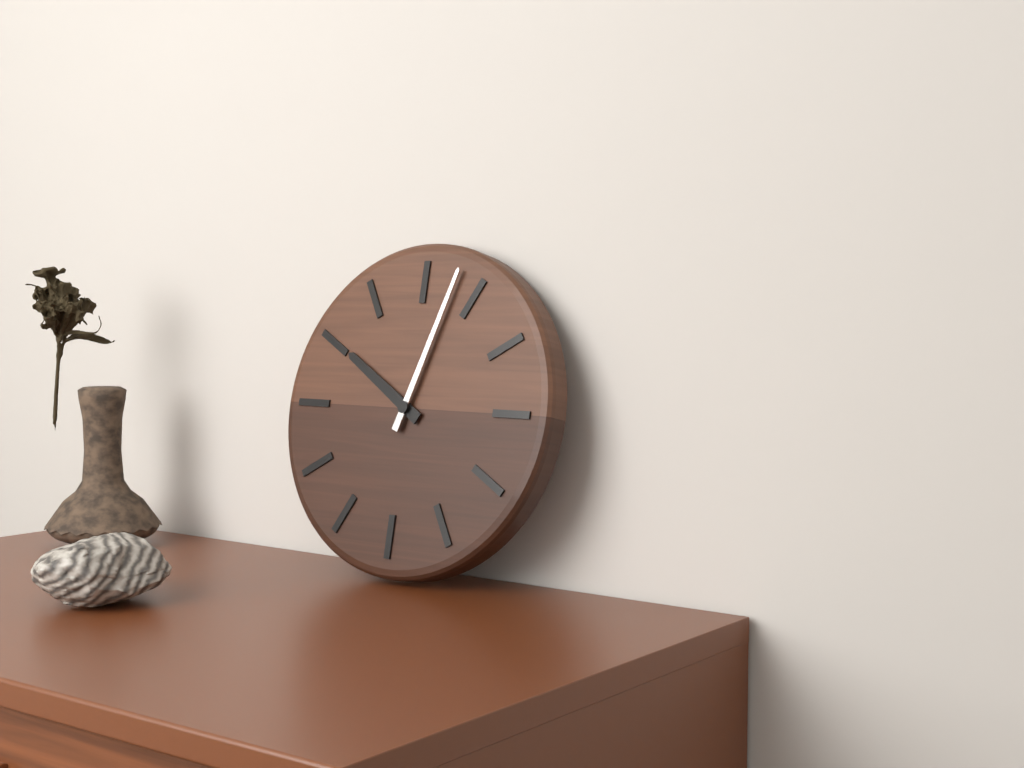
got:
10:03
